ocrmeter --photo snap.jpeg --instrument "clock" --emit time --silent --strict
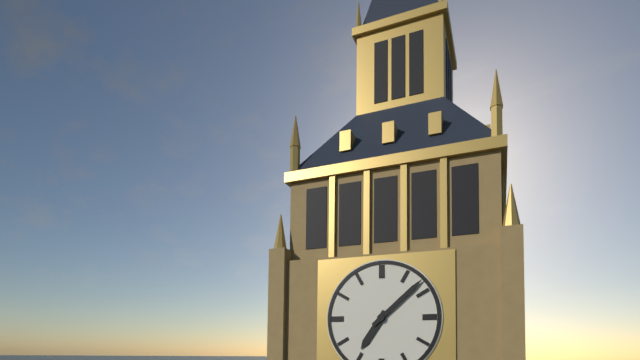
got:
7:08
